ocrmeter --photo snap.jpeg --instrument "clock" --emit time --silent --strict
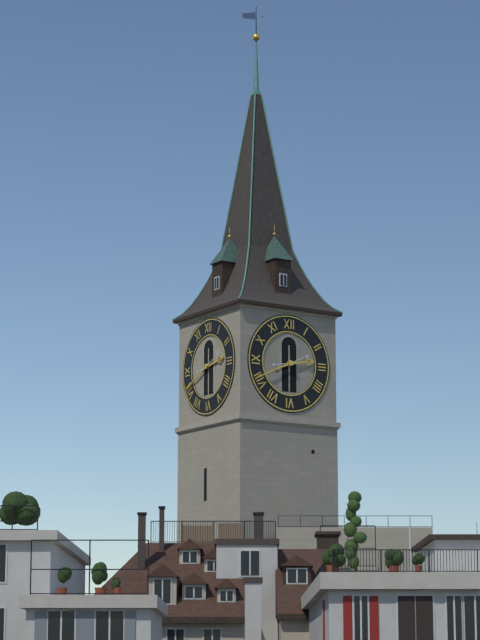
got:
2:41
